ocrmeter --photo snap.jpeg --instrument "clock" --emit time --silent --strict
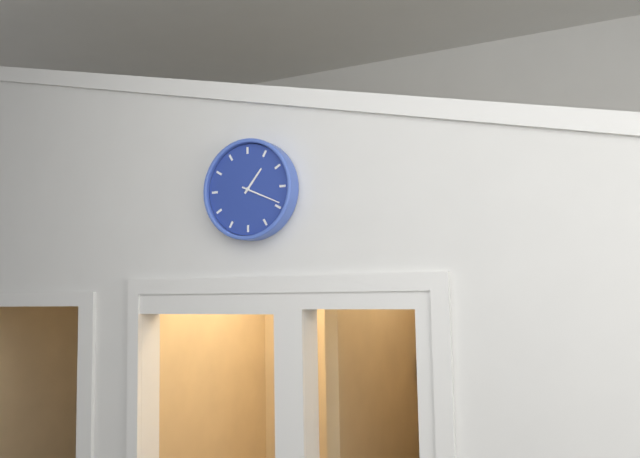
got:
1:19
